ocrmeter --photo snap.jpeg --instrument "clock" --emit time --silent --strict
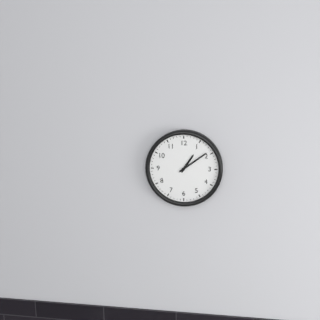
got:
1:09
